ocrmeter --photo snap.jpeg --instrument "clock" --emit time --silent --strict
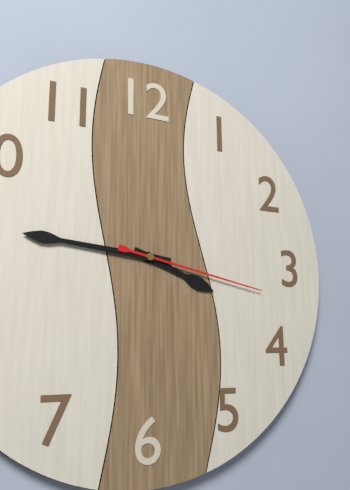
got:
3:46:17
